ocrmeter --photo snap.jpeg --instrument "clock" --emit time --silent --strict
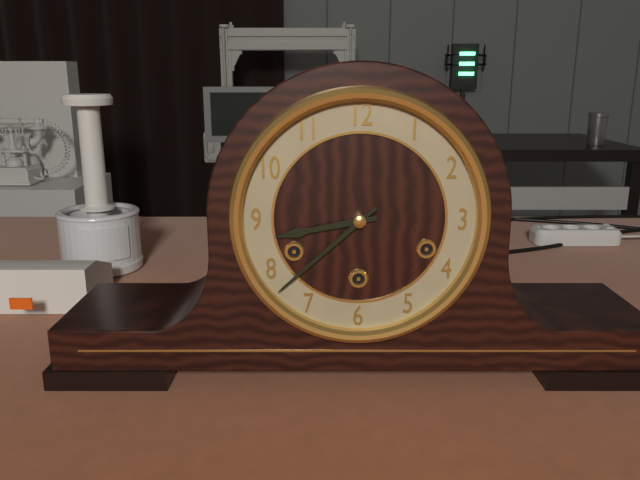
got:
8:38
